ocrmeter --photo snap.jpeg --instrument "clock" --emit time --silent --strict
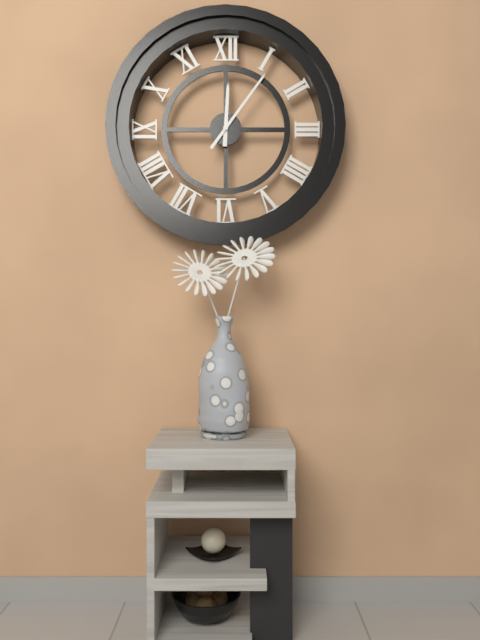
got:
12:06
